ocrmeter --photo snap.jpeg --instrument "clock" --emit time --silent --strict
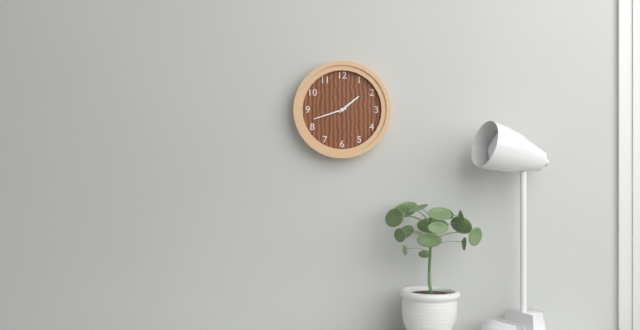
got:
1:42
